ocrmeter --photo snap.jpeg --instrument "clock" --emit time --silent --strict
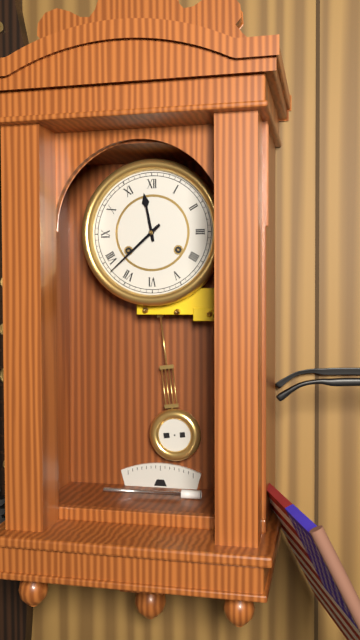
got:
11:38
